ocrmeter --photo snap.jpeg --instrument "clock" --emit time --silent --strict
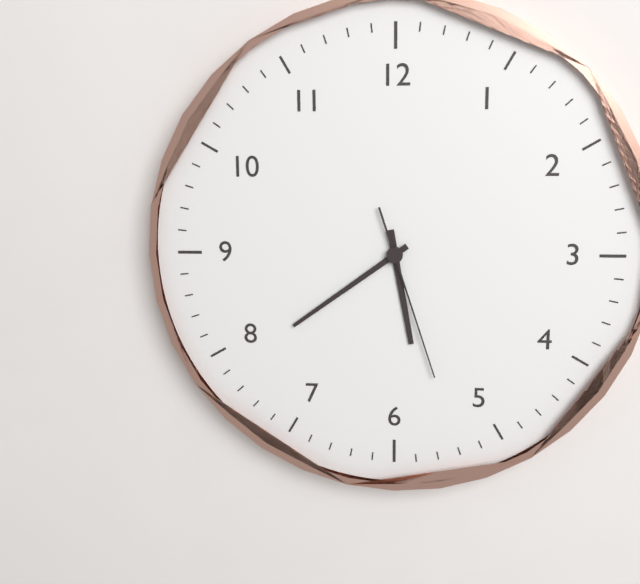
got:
5:39:27
